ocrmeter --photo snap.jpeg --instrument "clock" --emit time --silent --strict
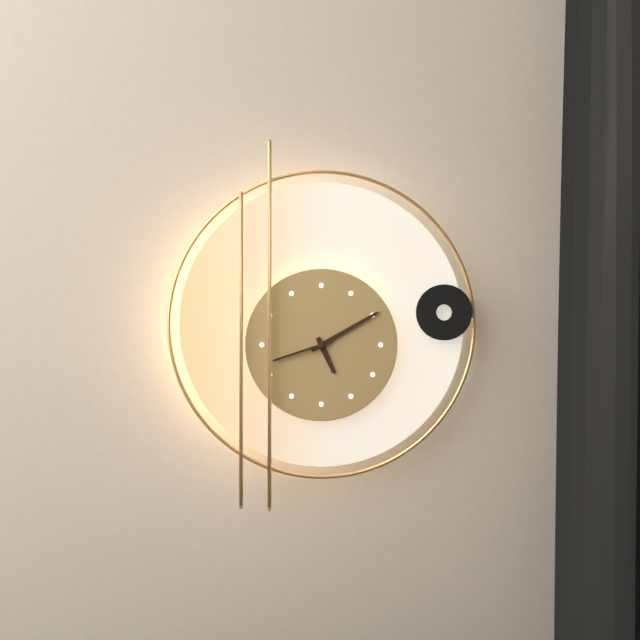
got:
5:10:42
